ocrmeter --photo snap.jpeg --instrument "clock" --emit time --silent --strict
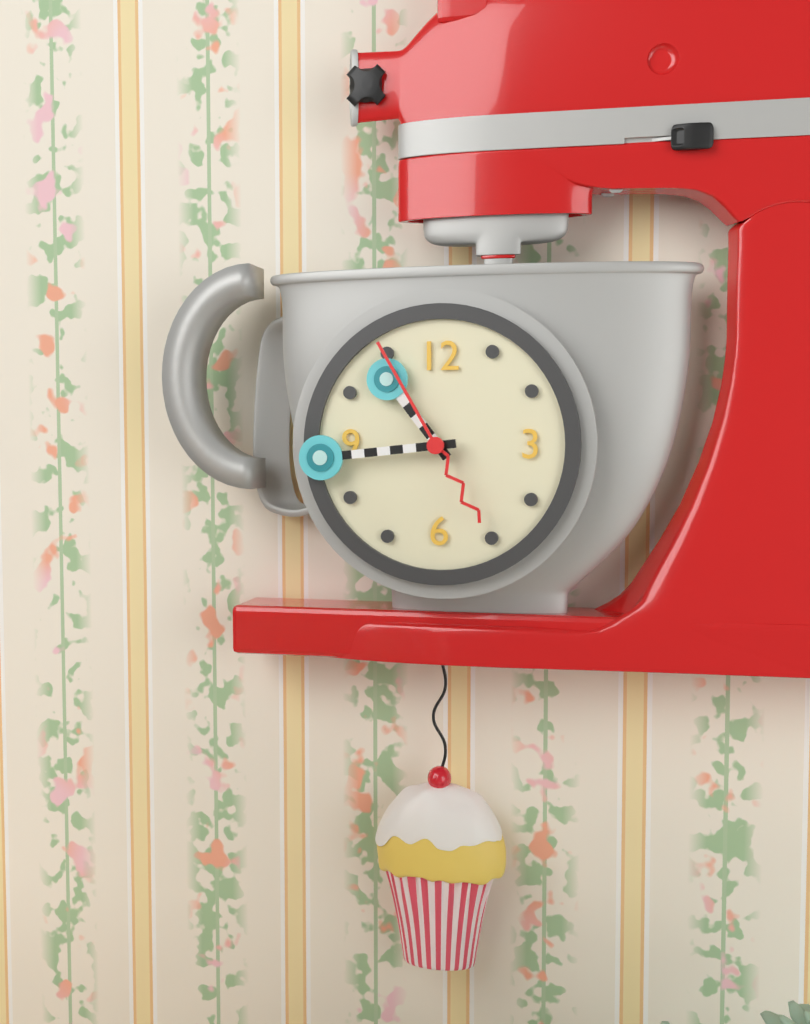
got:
10:44:55
